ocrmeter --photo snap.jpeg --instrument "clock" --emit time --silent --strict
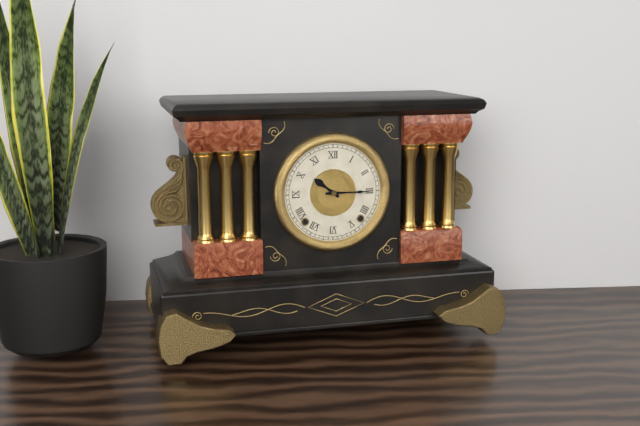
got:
10:15
